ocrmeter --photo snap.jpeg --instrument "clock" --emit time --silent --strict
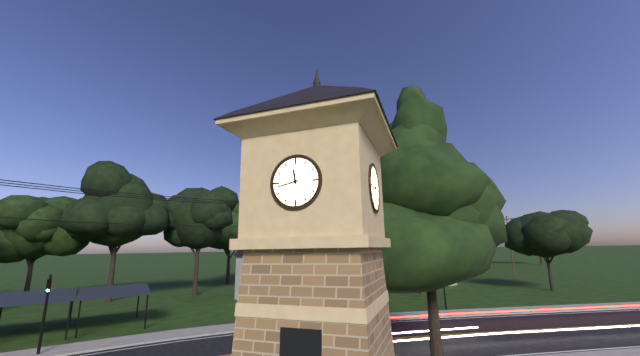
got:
11:43
